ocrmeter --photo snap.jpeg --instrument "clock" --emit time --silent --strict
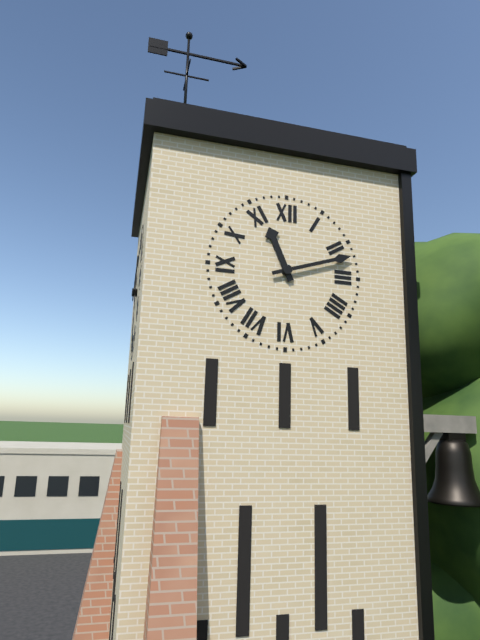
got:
11:12
